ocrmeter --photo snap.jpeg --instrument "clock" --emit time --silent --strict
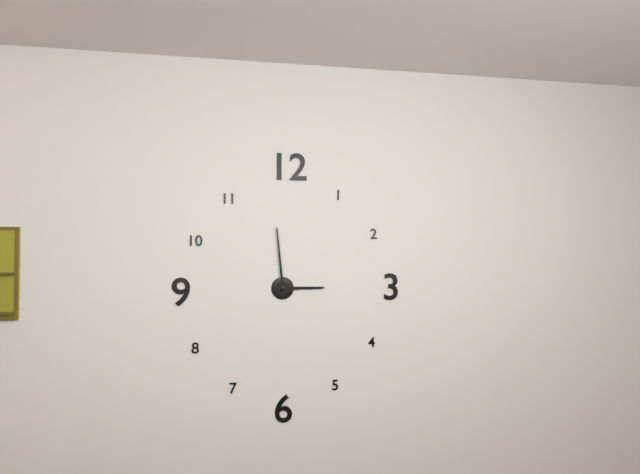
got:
2:59
